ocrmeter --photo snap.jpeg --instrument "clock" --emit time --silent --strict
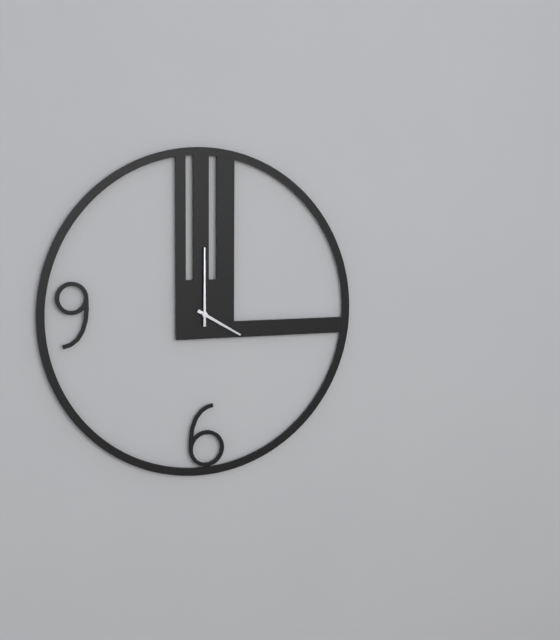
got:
4:00
